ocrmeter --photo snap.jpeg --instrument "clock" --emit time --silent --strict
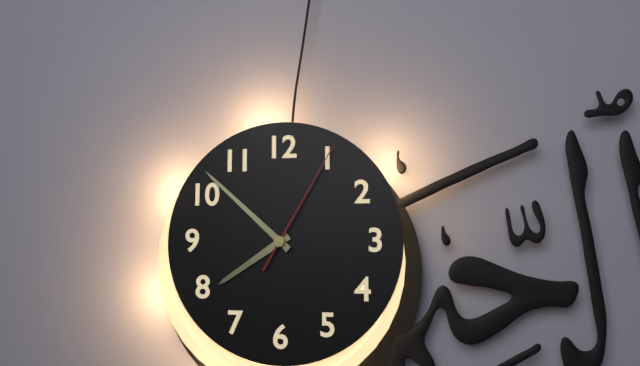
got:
7:52:05
